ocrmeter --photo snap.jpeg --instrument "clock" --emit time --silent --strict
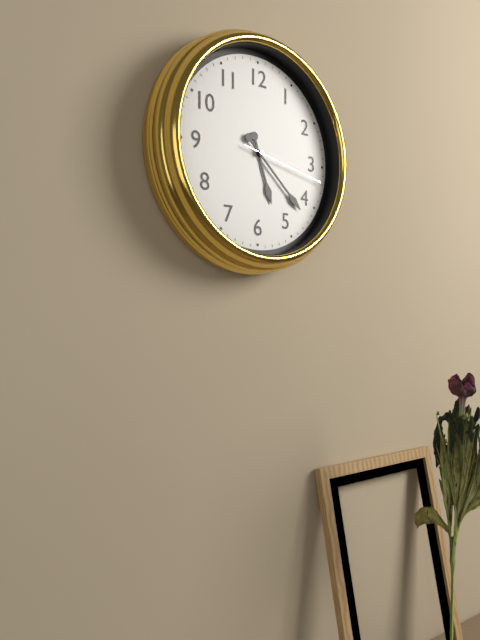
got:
5:22:17
